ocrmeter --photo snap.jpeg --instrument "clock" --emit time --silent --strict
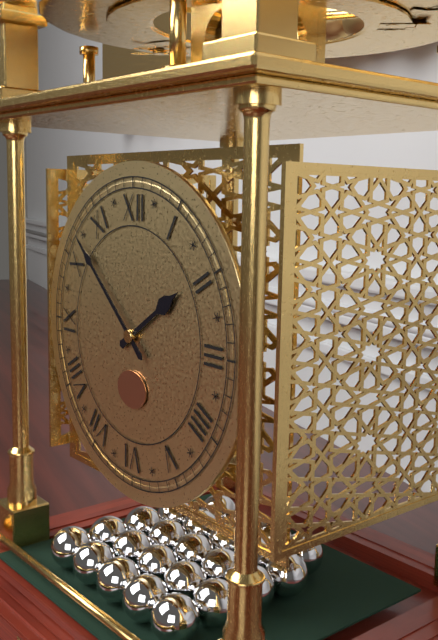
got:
1:52
